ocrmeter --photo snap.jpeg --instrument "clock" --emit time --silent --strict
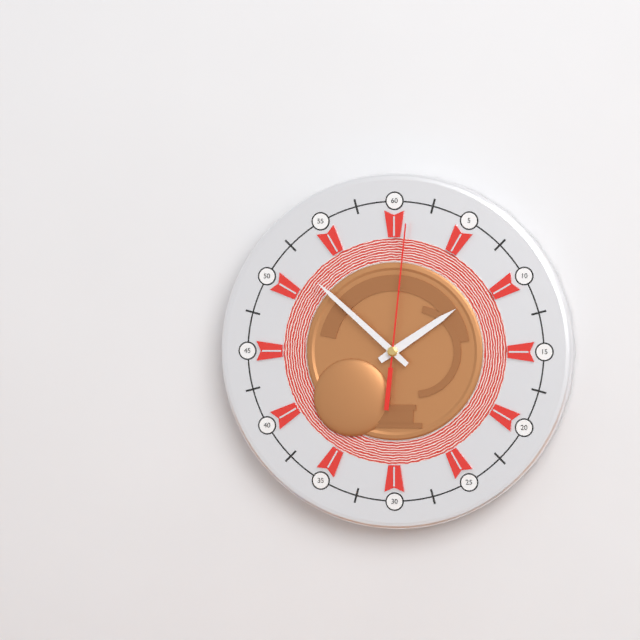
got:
1:52:01
